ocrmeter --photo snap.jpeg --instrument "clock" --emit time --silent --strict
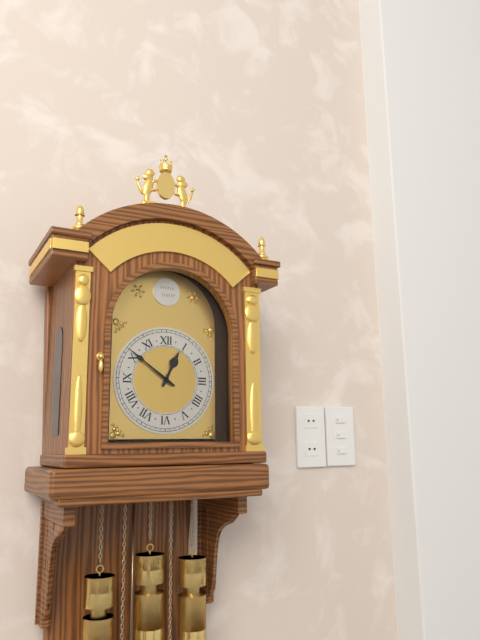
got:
12:51
